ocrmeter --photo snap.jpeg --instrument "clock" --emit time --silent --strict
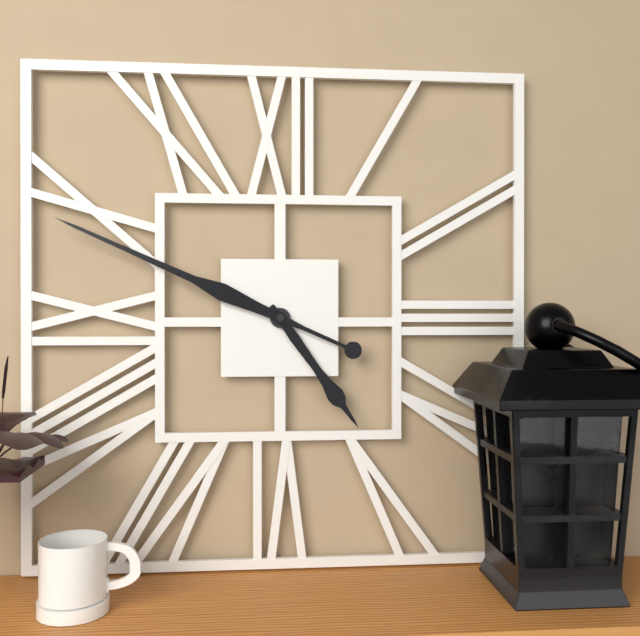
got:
4:49
